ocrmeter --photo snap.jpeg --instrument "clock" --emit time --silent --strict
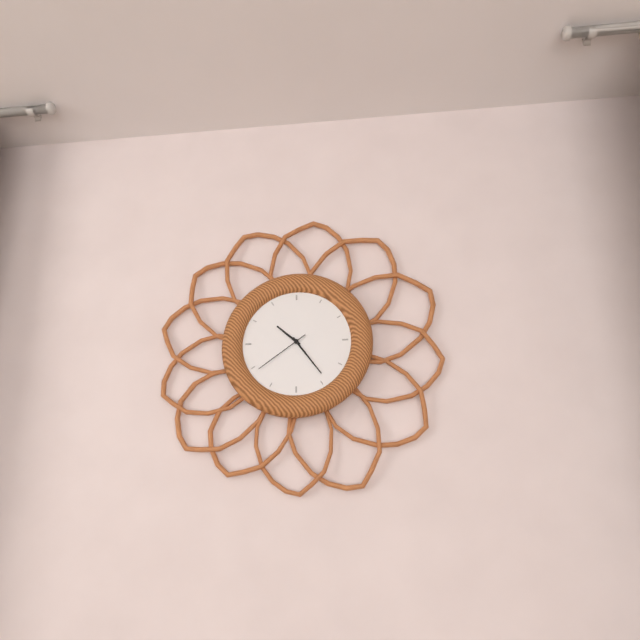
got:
10:24:39
